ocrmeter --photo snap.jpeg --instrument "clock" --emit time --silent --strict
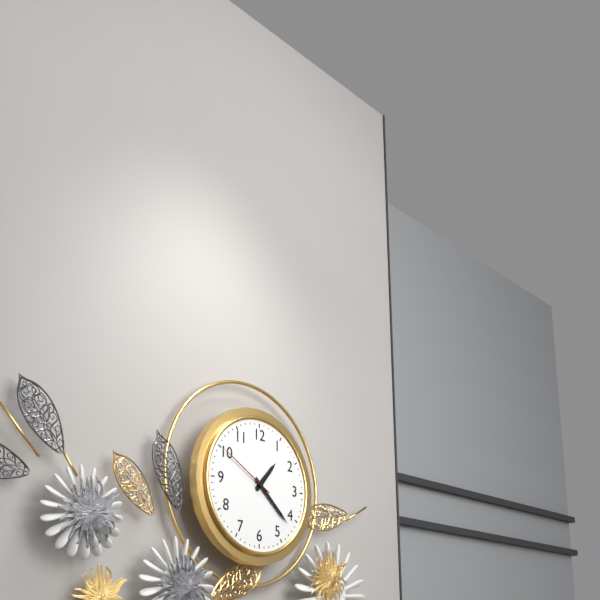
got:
1:22:50
